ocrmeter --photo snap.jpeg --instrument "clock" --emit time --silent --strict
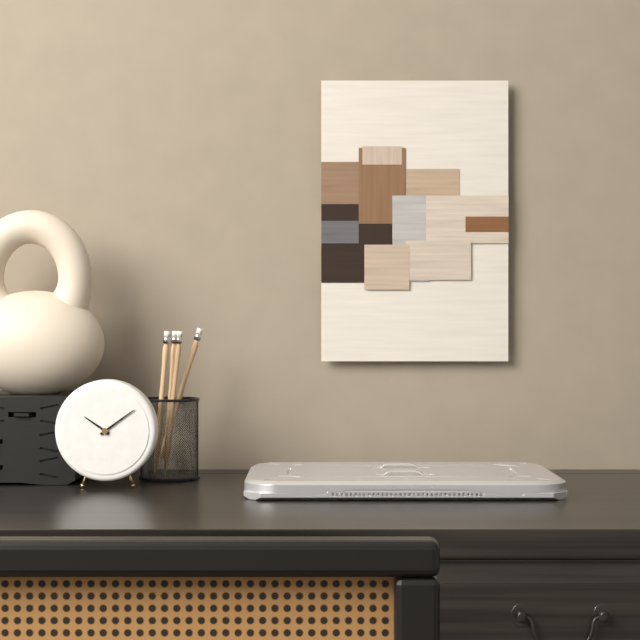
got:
10:09
